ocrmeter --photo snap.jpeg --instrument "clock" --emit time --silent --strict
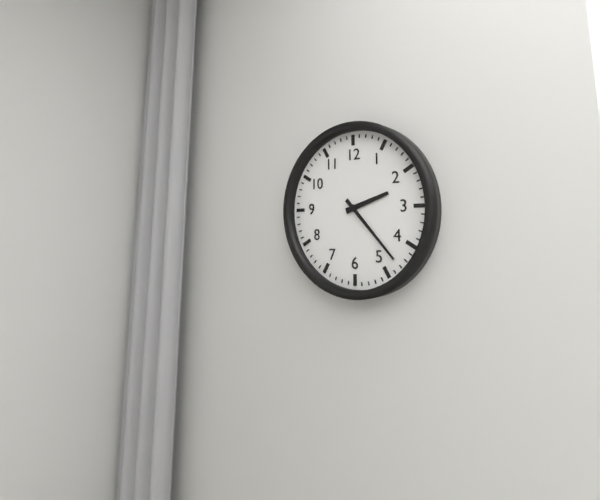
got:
2:23
